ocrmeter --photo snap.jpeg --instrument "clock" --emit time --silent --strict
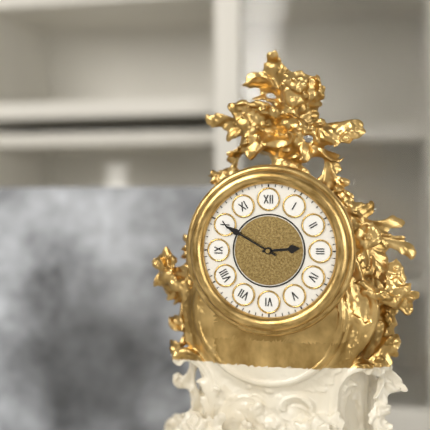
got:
2:50
